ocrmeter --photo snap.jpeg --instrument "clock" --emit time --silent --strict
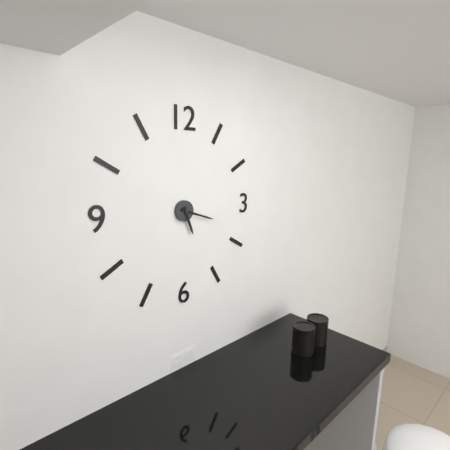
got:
5:18
